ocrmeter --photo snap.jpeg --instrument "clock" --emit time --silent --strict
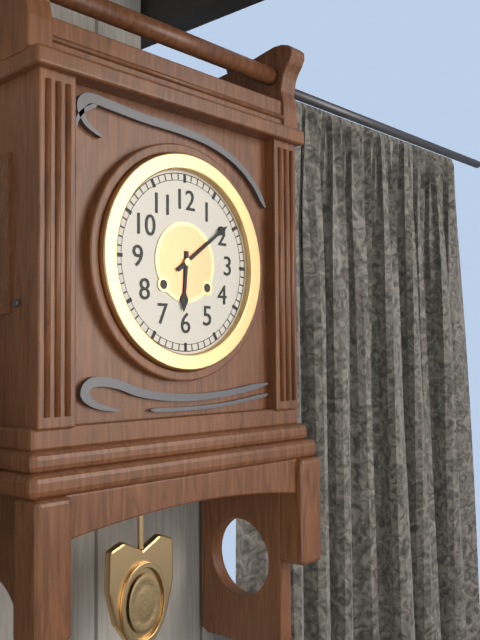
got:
6:09
